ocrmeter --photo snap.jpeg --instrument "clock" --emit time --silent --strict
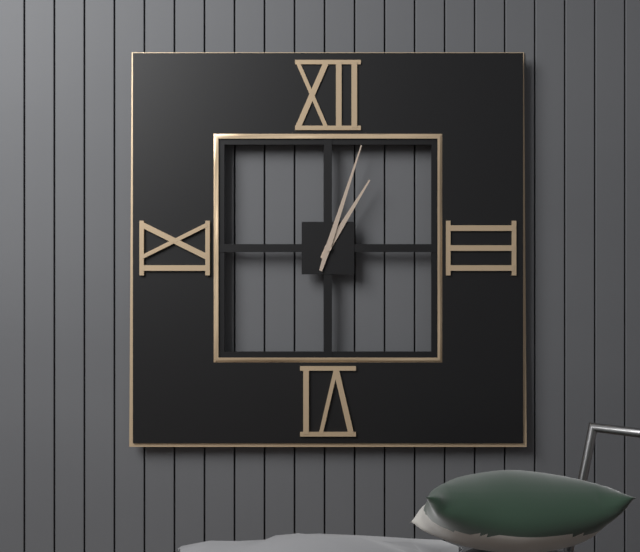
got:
1:03
